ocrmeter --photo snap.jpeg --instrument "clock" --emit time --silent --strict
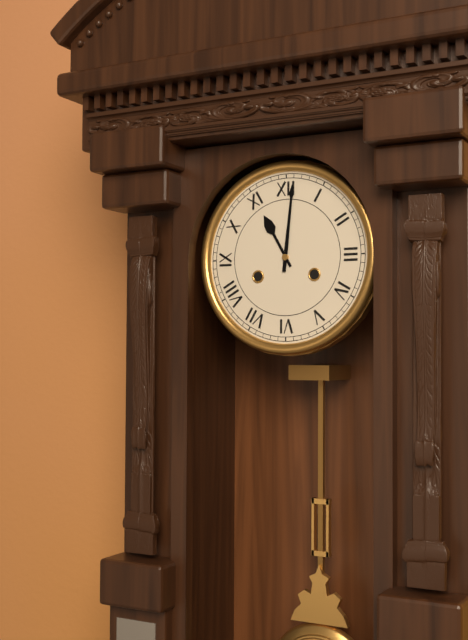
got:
11:01
